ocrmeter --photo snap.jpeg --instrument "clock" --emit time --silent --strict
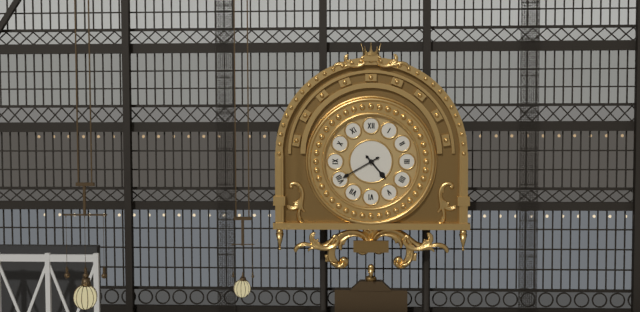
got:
4:40
